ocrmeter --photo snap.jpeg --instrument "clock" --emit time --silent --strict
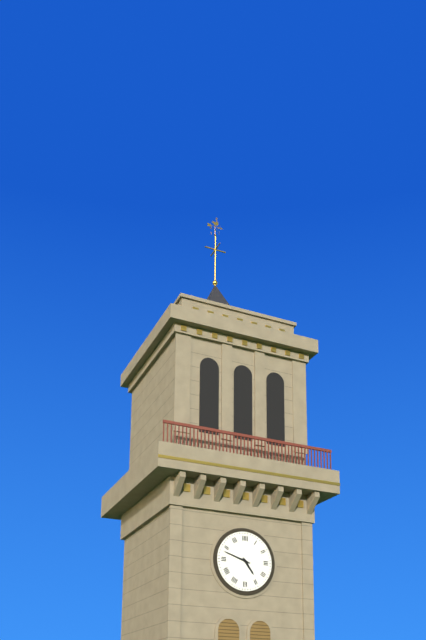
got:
4:48
